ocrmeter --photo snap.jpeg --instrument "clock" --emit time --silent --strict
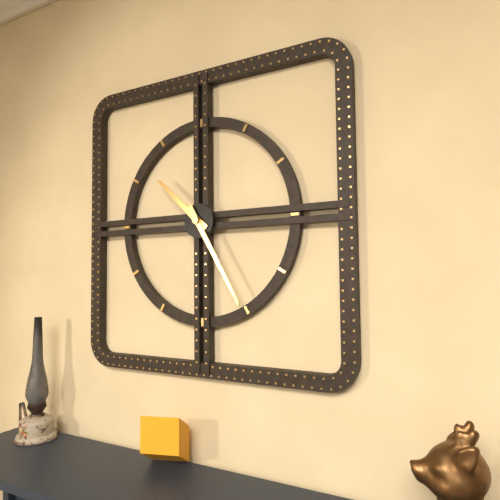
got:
10:25
